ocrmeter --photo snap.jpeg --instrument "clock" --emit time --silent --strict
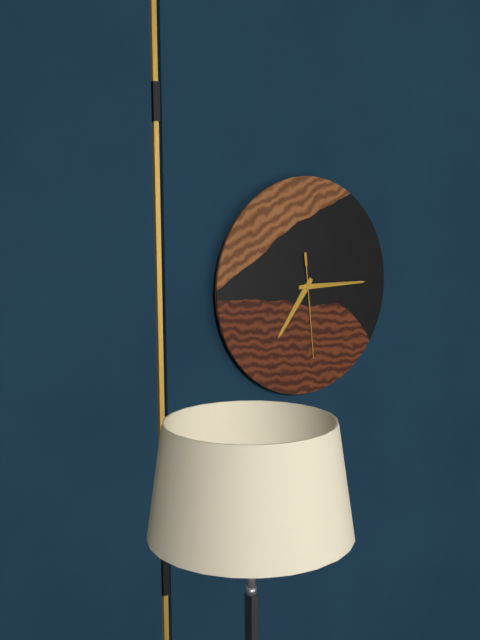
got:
7:15:29
